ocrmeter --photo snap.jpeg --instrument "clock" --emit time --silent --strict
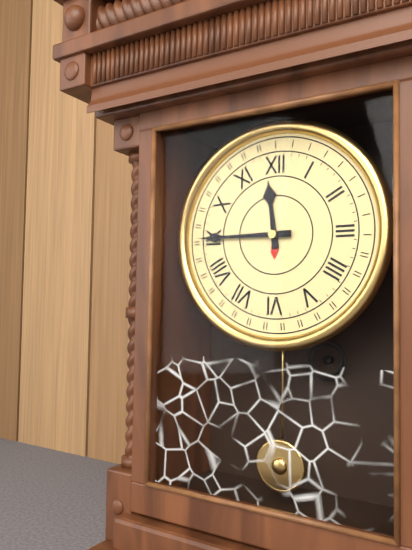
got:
11:45
